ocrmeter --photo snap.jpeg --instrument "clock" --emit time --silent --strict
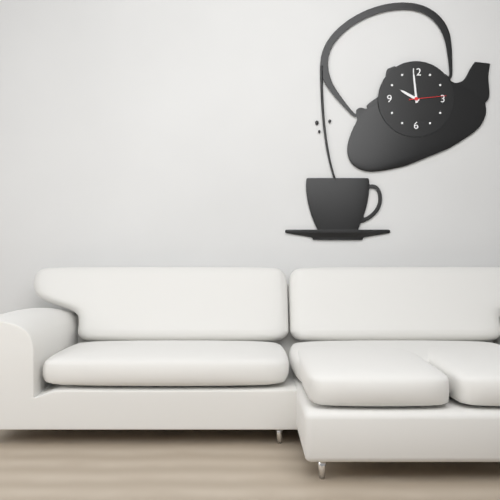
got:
9:59
